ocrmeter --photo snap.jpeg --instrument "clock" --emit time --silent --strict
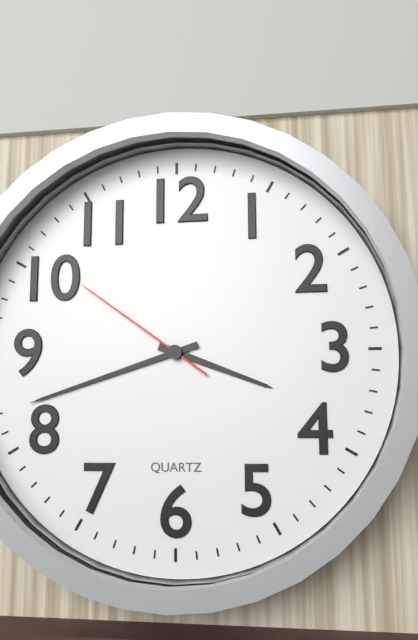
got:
3:42:51
